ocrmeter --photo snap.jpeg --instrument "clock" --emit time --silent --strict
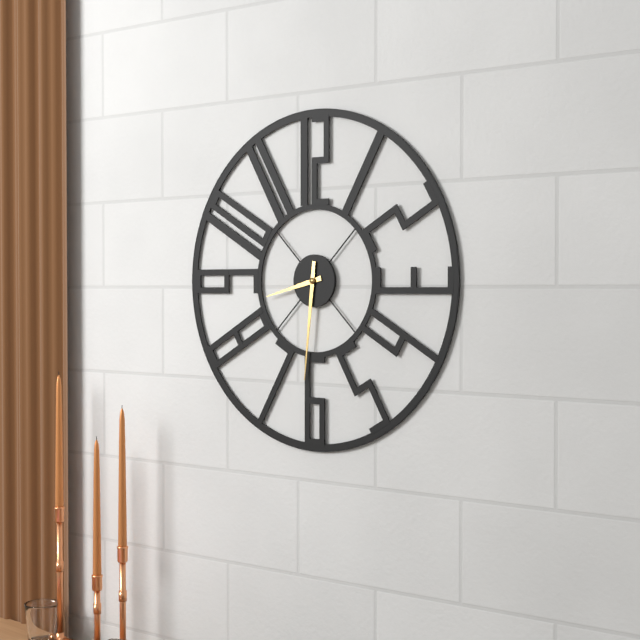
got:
8:31
